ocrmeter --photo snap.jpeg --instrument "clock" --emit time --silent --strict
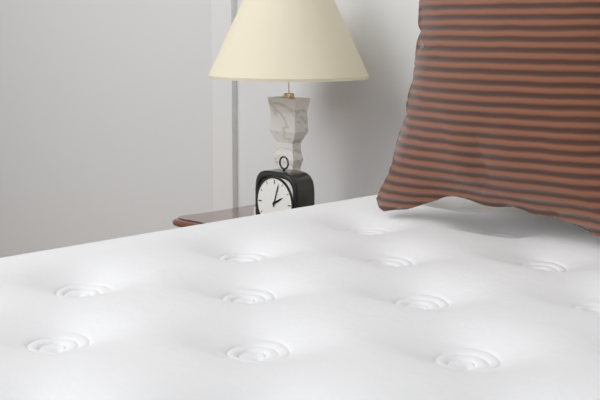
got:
2:03
